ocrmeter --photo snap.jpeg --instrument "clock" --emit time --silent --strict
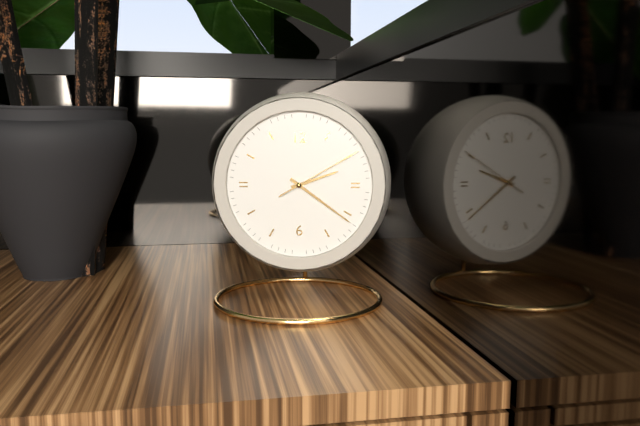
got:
2:21:10
